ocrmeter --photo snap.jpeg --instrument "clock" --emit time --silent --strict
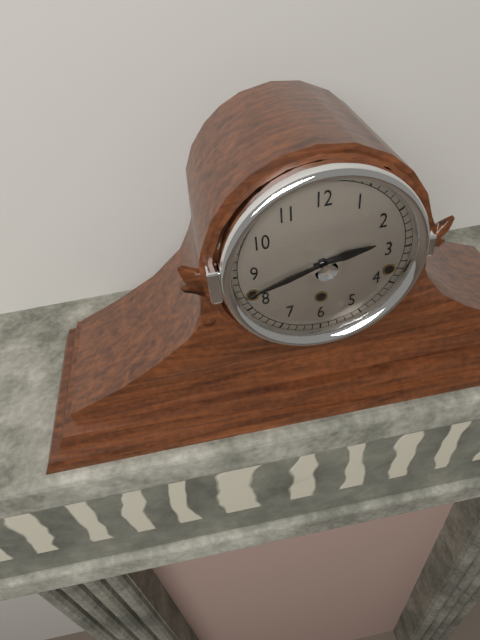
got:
2:42
